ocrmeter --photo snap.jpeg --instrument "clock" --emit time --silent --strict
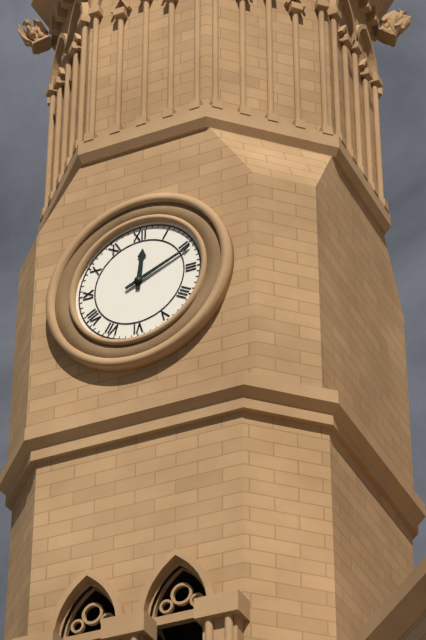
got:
12:11
